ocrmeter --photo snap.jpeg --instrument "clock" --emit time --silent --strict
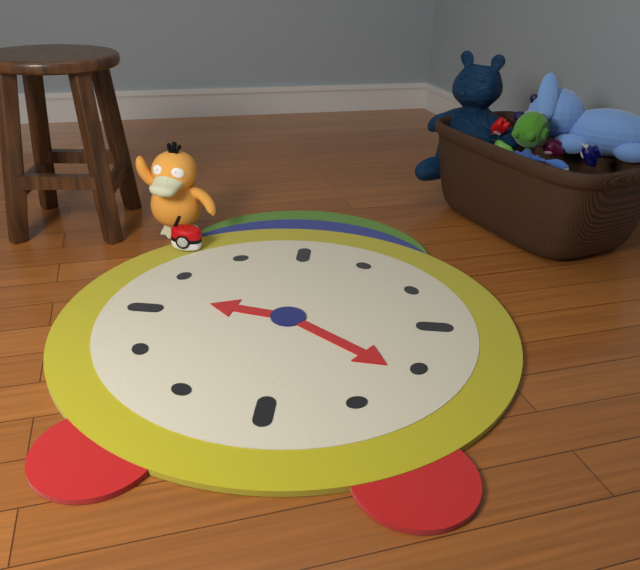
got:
9:21
